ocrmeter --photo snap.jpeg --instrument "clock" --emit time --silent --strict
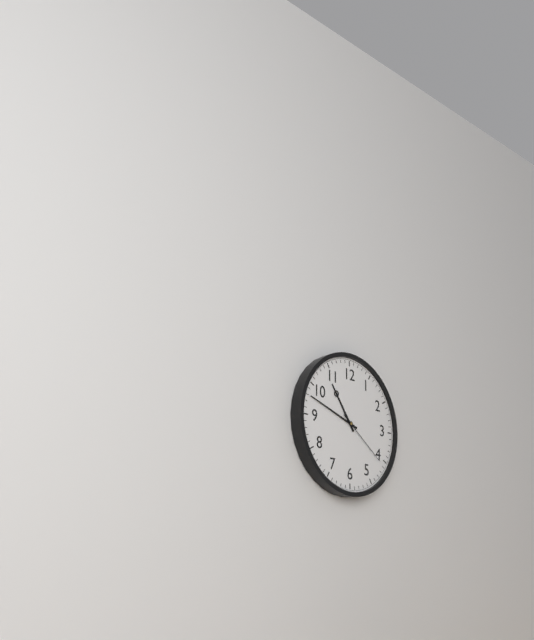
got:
10:48:21
